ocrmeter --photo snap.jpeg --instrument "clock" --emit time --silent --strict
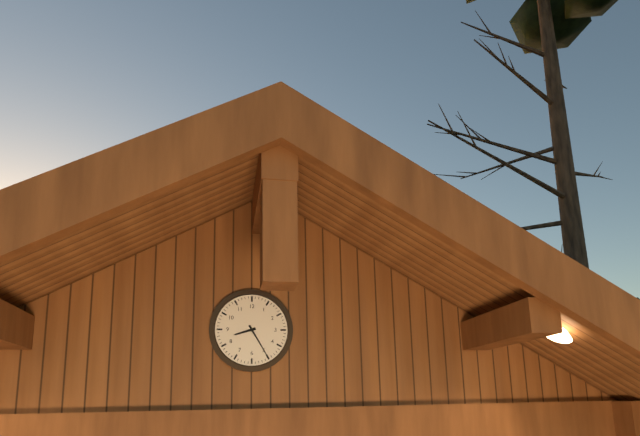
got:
8:25
